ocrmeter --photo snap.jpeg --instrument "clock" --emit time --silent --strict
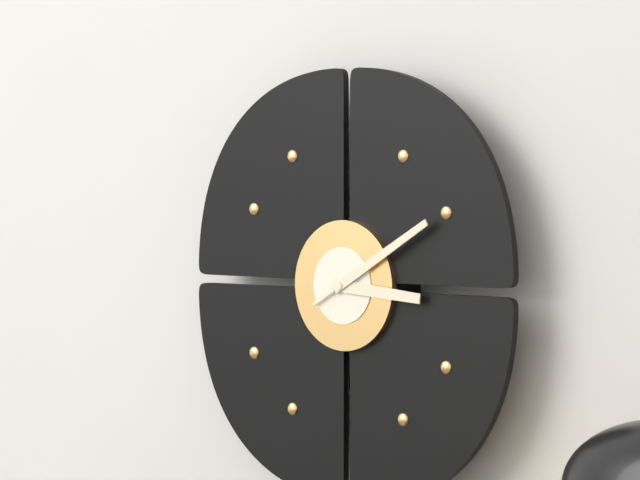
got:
3:10
